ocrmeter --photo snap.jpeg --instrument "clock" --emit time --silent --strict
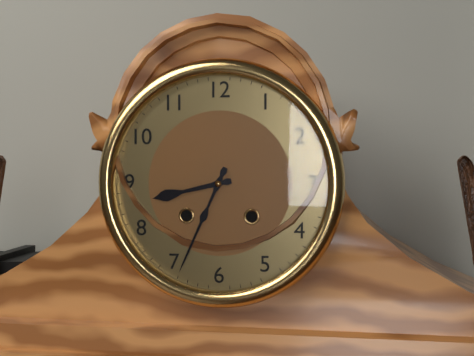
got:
8:34
